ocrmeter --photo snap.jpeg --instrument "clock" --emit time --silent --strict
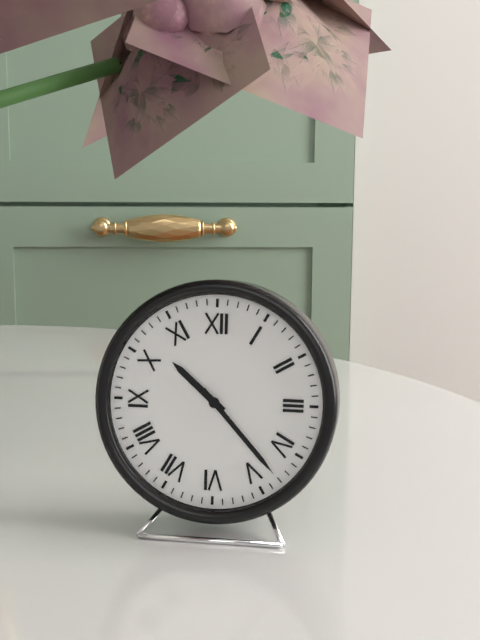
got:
10:23
